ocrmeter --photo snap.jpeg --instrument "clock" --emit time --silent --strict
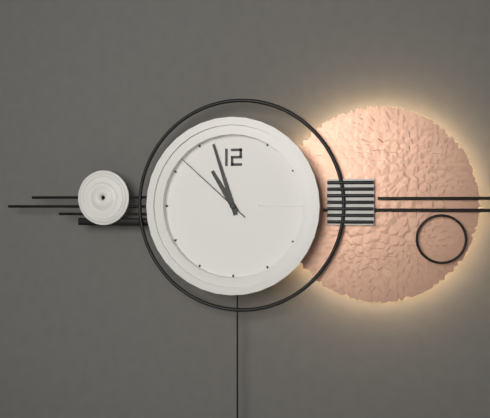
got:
10:57:52
